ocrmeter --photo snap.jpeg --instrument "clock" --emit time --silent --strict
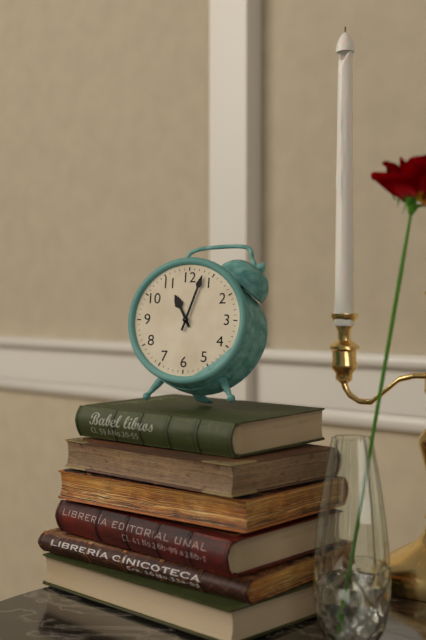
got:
11:03
